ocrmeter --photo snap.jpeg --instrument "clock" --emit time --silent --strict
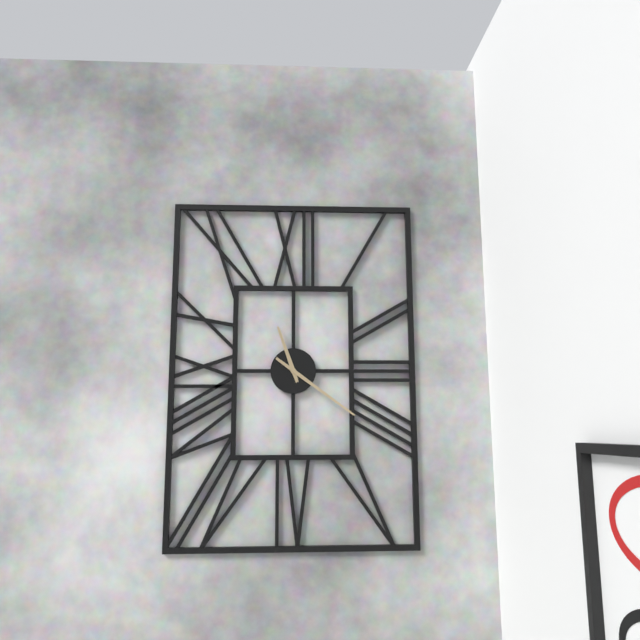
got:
11:21
